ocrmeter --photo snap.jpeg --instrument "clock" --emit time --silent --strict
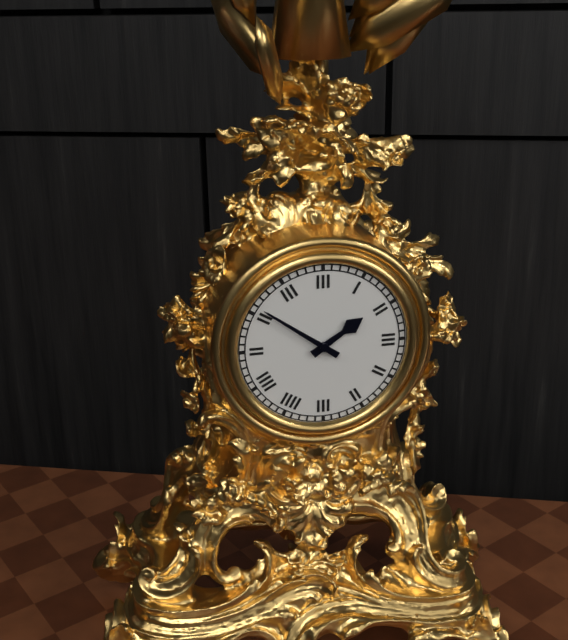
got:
1:51
